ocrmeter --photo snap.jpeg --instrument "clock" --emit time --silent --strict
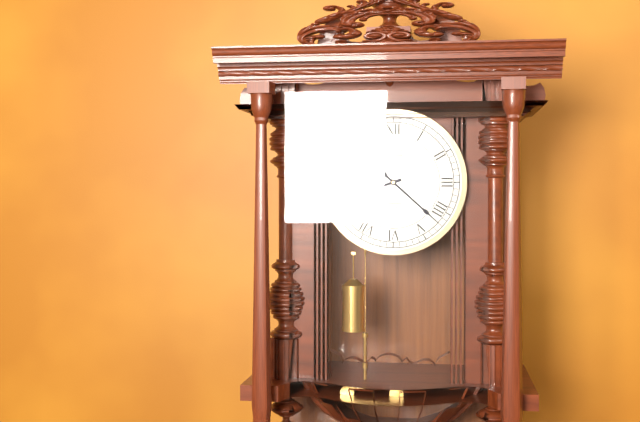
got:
8:22
